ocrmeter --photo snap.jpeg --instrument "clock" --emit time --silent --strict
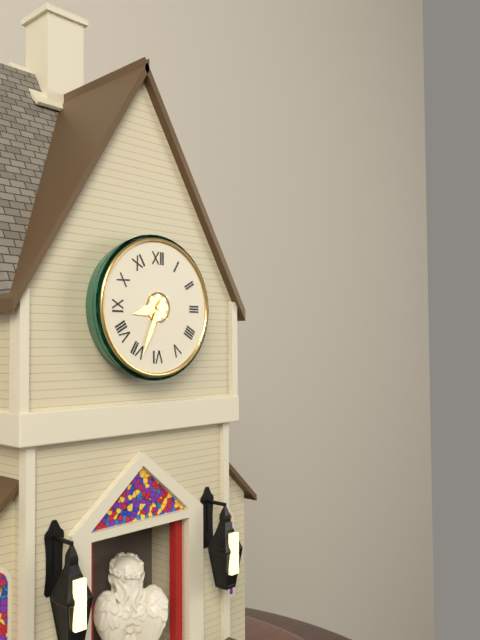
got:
8:34
